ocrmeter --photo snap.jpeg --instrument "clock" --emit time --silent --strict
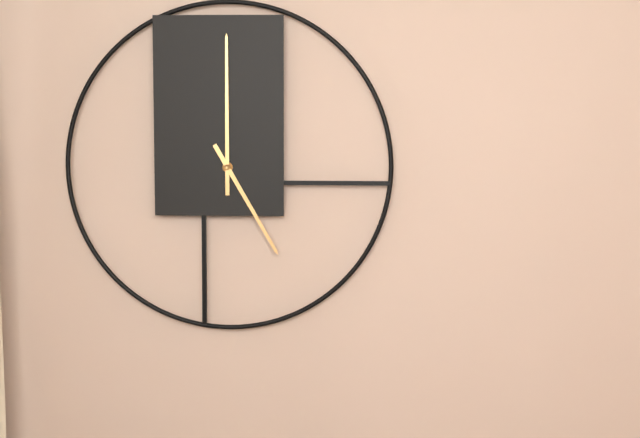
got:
5:00
